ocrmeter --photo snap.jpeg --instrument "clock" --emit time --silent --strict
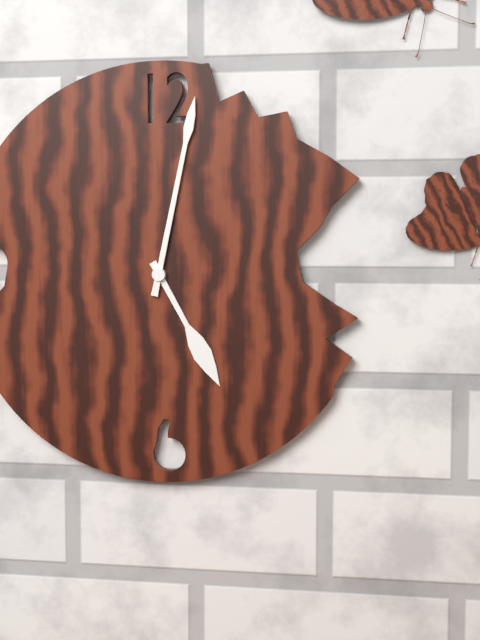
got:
5:02
